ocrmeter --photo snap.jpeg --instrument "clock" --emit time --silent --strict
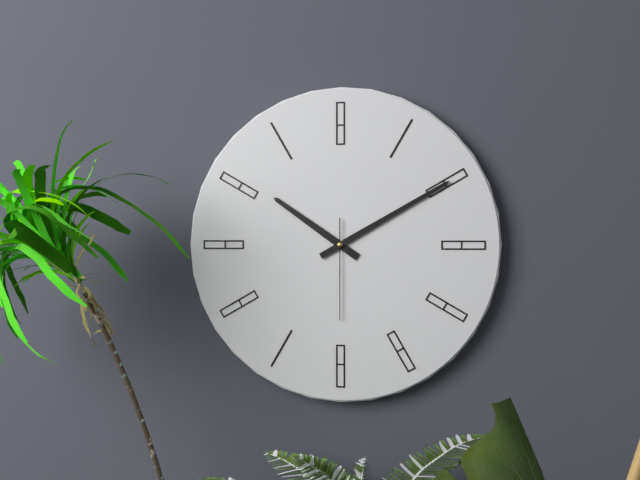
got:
10:10:30
